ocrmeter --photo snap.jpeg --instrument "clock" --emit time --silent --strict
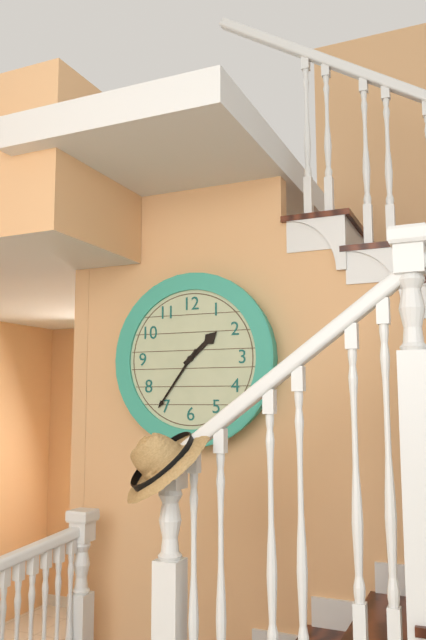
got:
1:36
